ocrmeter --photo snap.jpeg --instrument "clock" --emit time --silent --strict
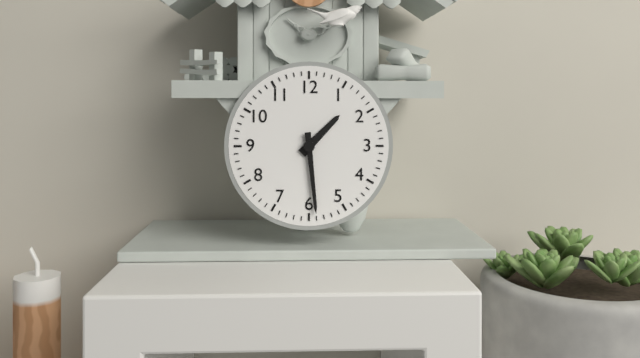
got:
1:29
